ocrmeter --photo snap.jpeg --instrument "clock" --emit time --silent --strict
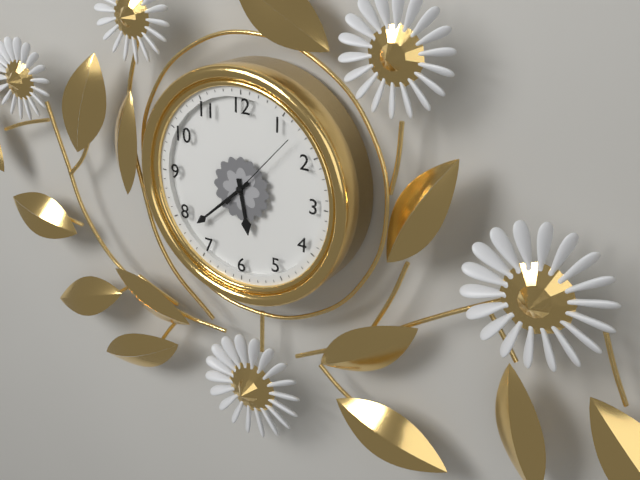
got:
5:38:07
